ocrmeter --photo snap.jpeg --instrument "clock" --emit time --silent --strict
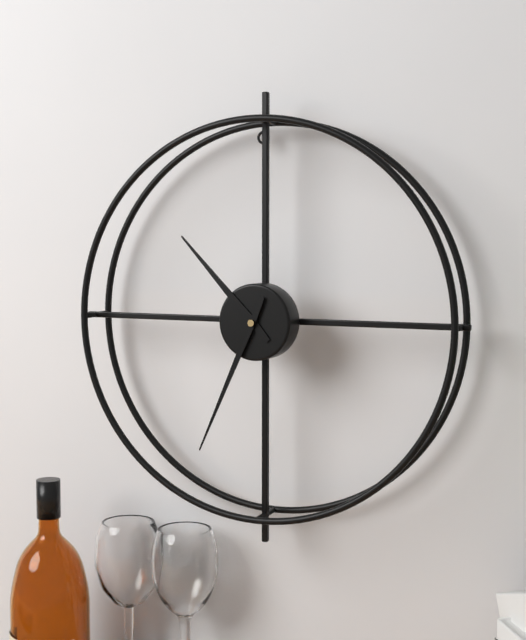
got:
10:34
